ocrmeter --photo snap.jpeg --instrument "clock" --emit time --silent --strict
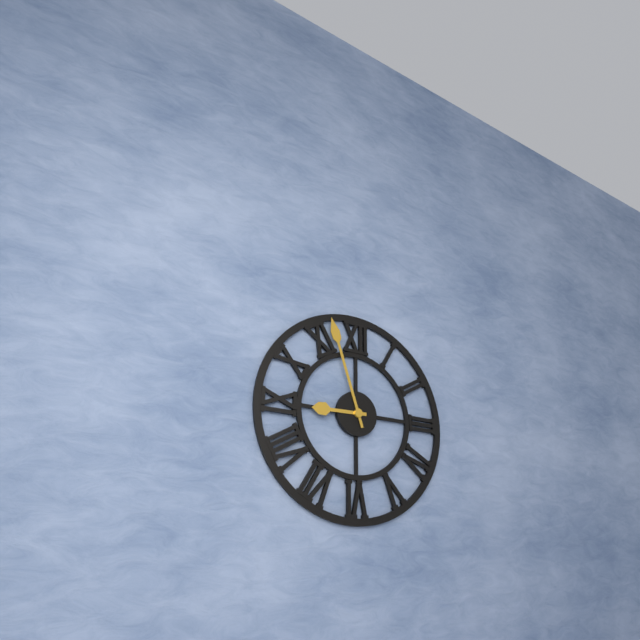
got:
8:57
